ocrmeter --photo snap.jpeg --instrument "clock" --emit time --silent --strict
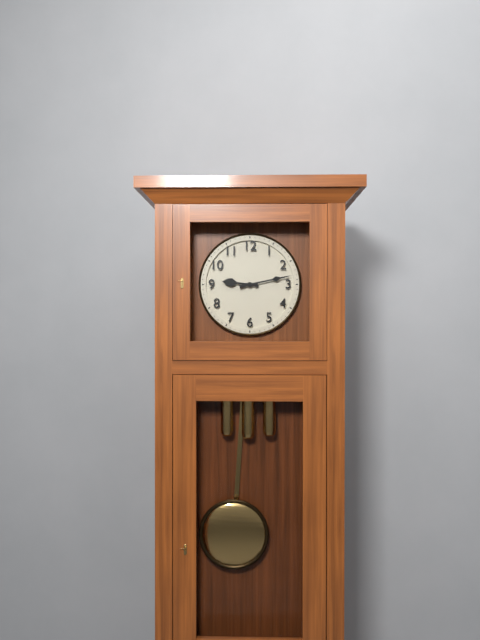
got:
9:13
